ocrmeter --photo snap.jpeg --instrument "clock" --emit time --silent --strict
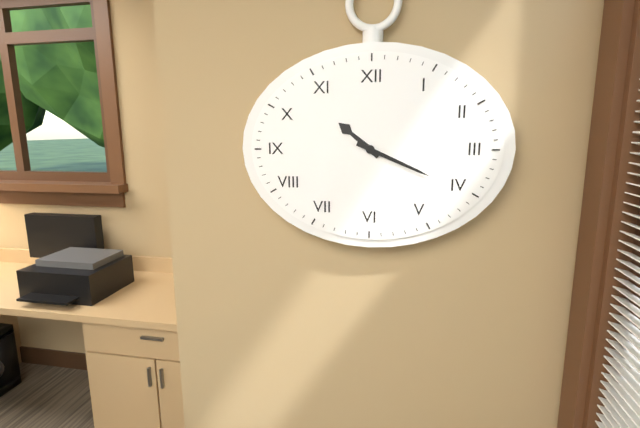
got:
10:19
